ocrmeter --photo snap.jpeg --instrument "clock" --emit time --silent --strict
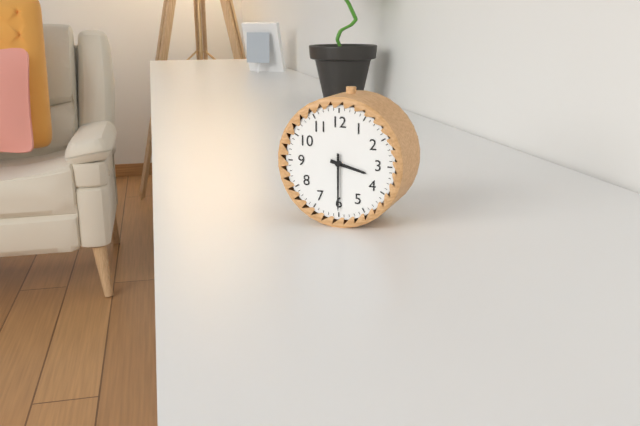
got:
3:30
